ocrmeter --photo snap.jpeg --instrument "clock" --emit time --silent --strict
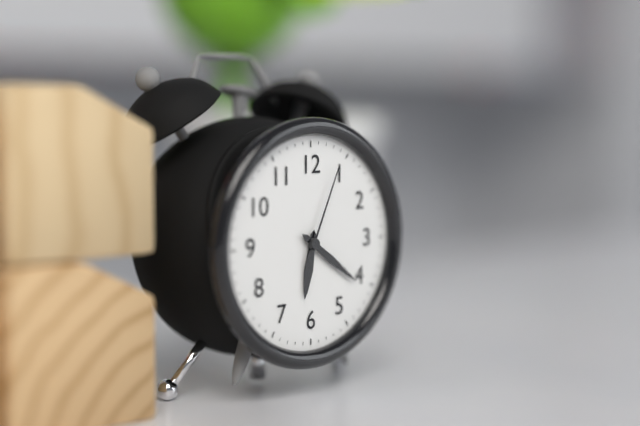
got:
6:21:04
